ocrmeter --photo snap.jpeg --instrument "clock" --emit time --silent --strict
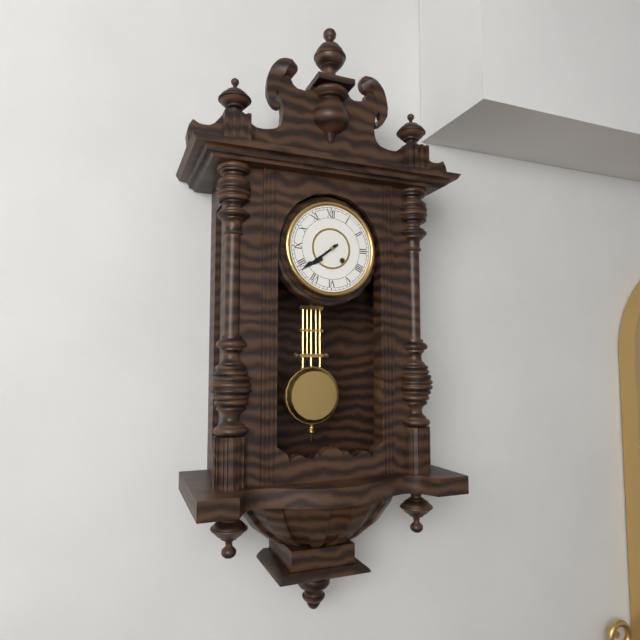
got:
7:39
